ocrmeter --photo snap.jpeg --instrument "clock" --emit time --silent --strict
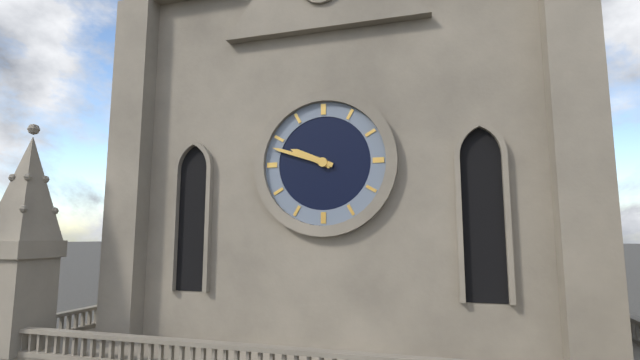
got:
9:48
